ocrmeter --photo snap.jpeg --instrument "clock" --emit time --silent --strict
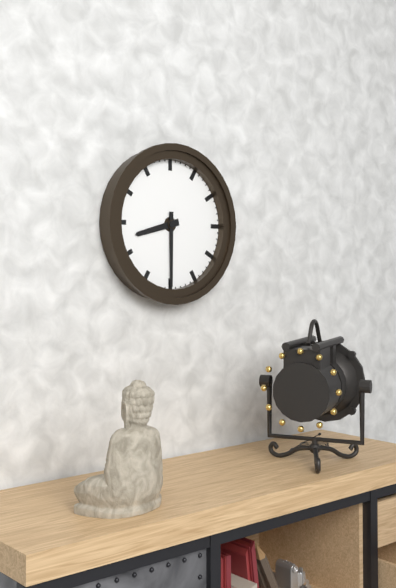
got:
8:30
